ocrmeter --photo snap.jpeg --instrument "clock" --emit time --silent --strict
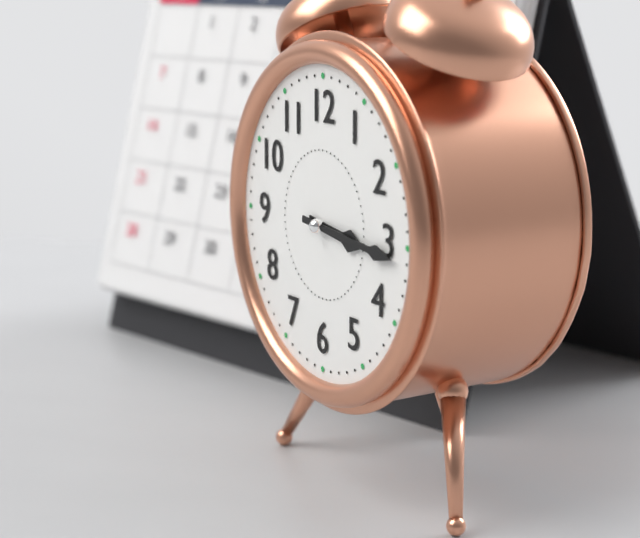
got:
3:16
